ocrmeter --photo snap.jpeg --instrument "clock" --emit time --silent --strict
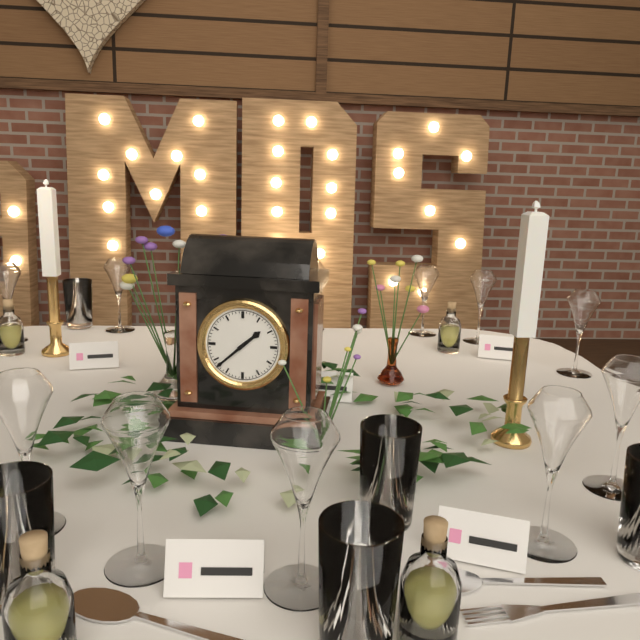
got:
1:38
